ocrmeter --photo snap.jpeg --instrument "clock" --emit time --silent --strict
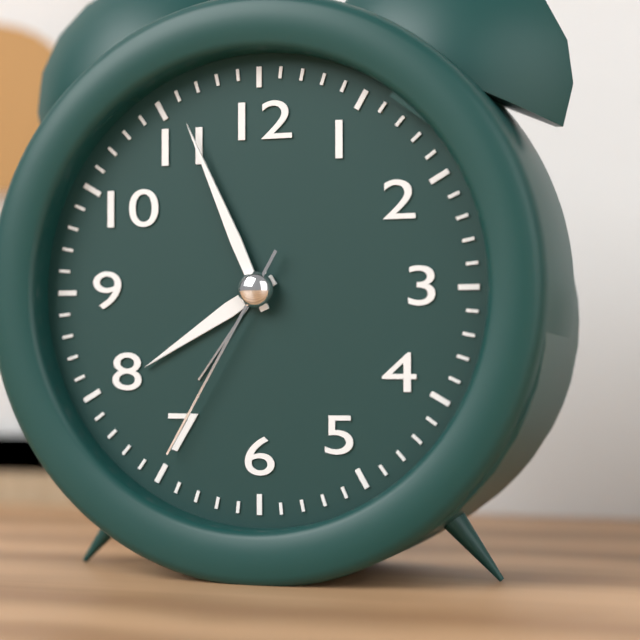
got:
7:56:35
